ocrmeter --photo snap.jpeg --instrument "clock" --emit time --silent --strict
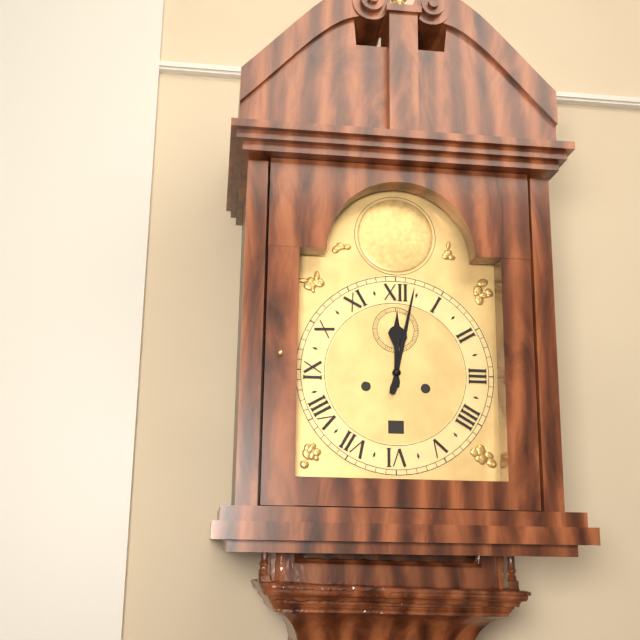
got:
12:02
